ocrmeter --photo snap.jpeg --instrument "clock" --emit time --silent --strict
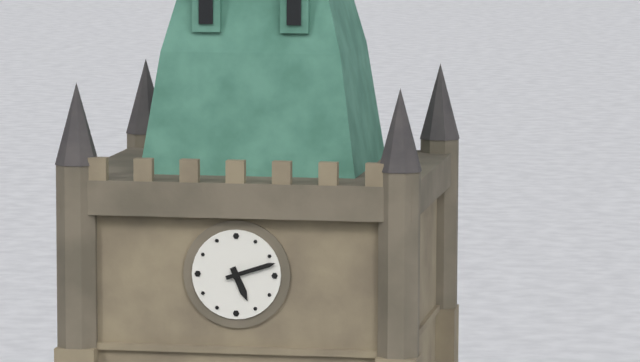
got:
5:12
